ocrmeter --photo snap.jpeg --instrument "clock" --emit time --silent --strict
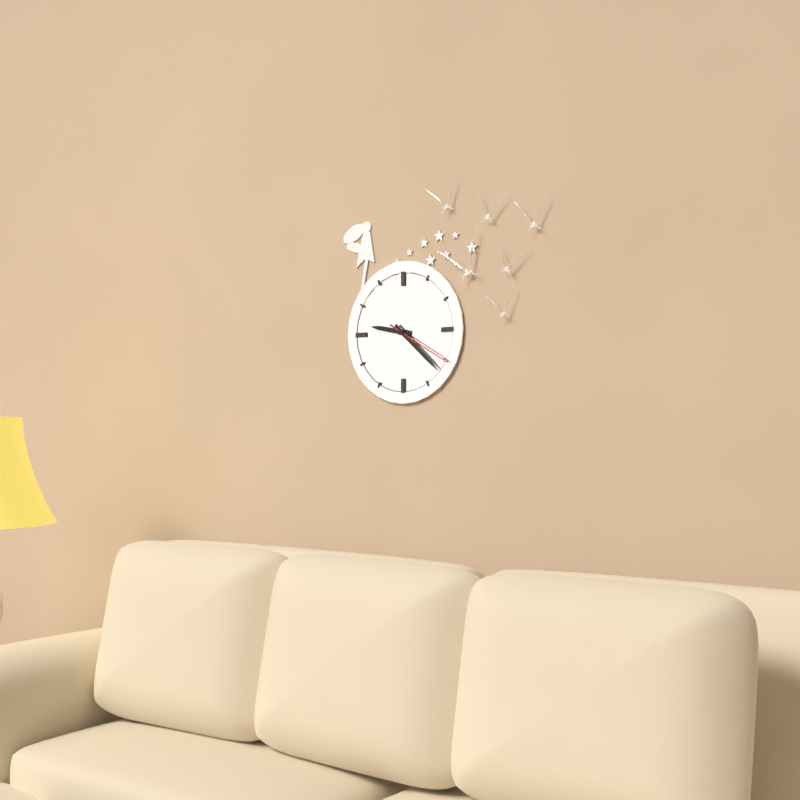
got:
9:22:20
